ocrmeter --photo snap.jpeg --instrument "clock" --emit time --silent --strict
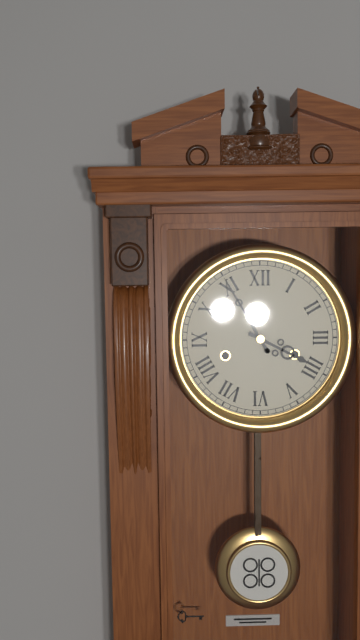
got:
3:55
